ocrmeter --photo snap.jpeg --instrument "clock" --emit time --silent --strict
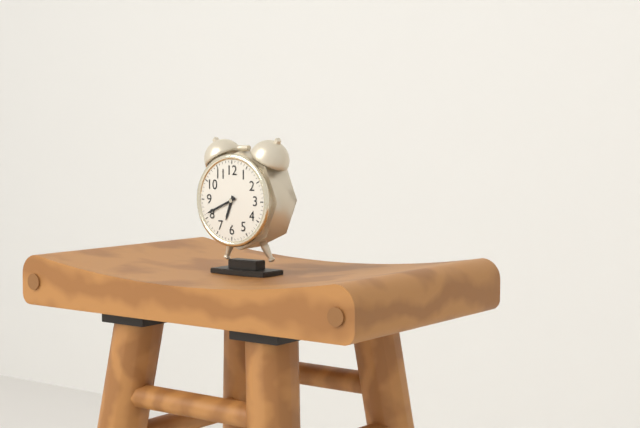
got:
6:41
